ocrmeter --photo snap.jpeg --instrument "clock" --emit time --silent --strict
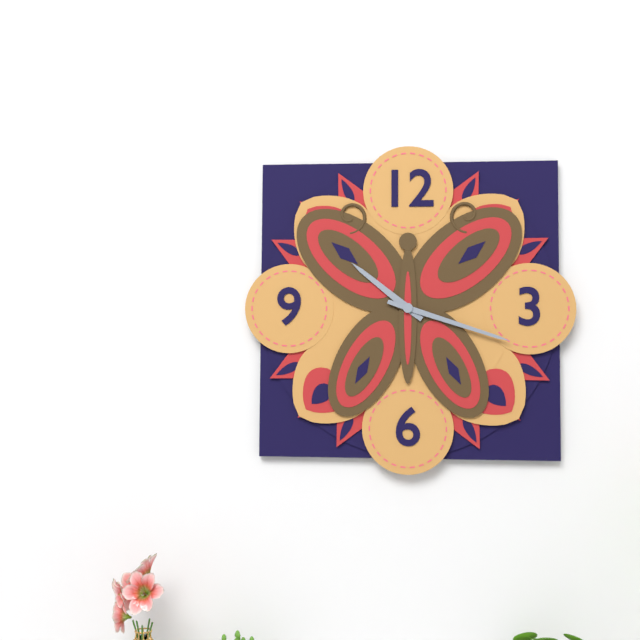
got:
10:18
